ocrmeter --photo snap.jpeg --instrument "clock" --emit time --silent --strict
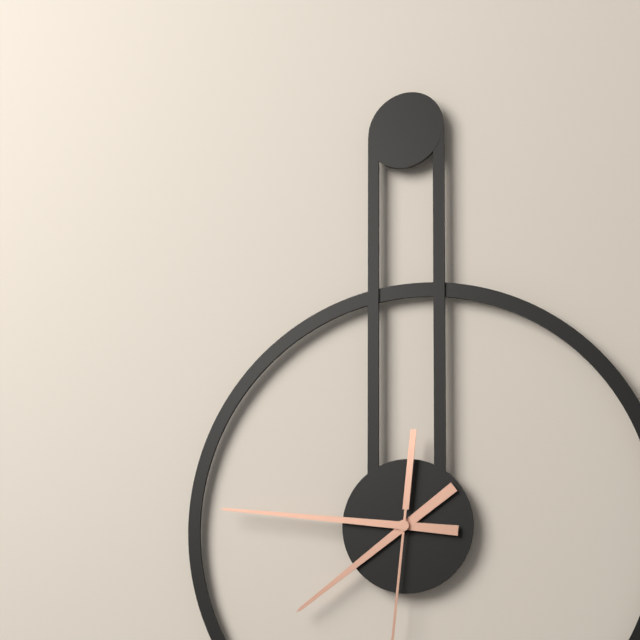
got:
7:46
